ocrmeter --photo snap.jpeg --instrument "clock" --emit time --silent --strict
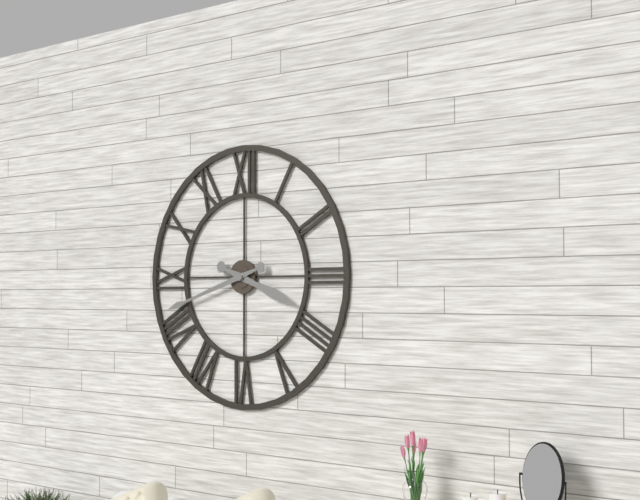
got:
3:42
